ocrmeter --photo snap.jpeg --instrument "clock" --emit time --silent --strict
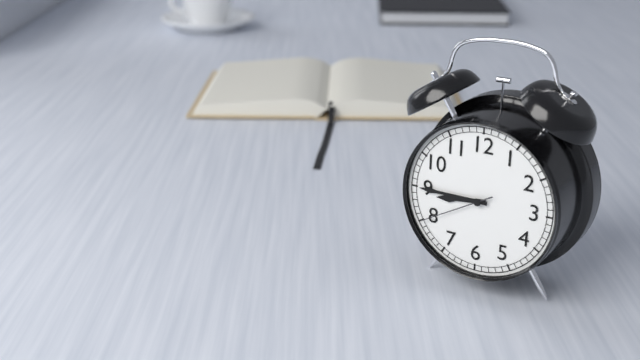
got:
8:45:40
